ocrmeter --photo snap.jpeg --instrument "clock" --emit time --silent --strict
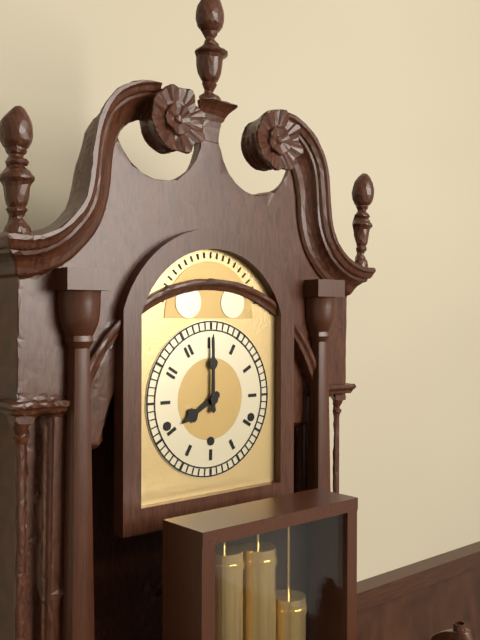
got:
8:00
